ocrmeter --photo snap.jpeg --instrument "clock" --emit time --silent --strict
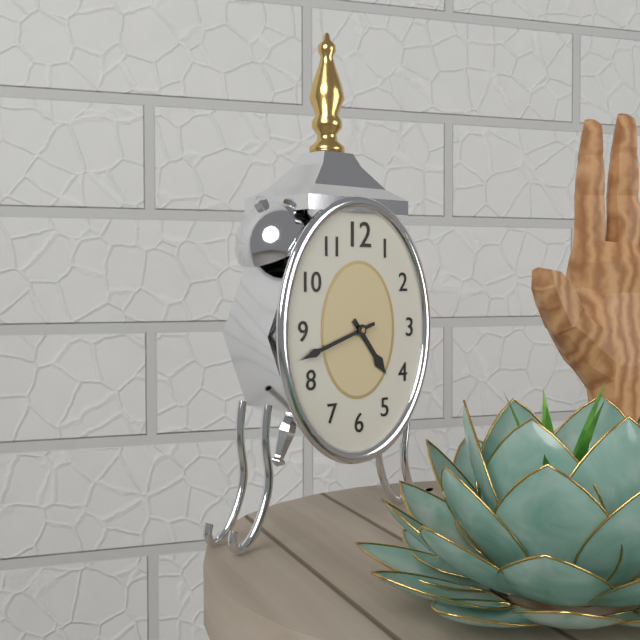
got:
4:42
